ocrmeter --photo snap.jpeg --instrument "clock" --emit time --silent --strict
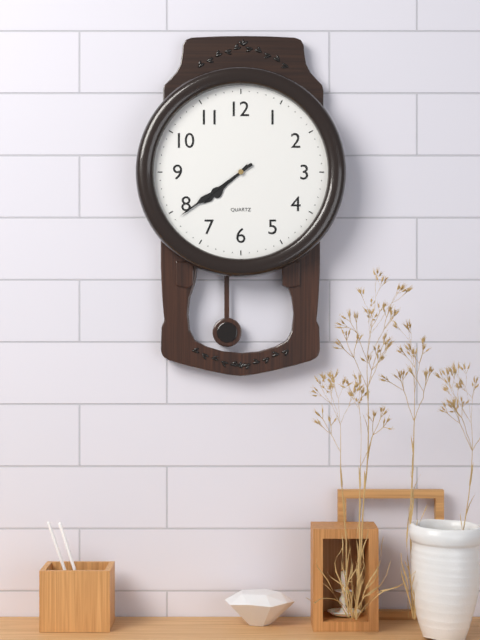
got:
7:39
